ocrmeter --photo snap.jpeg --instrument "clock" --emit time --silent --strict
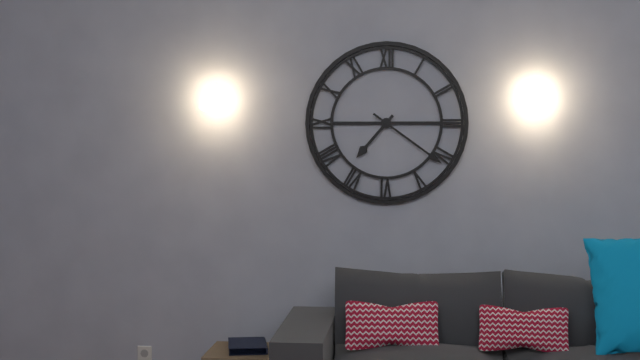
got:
7:21
